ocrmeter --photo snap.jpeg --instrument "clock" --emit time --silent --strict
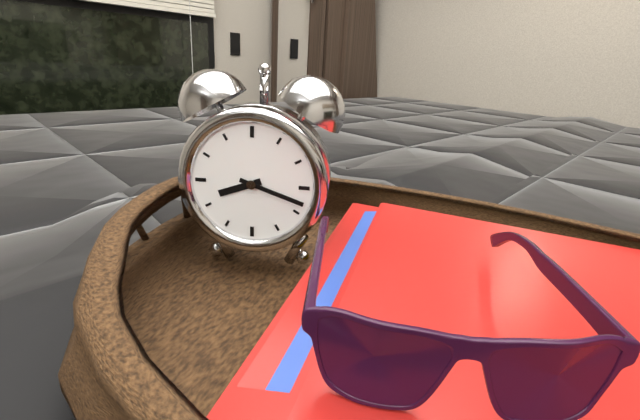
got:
8:18
